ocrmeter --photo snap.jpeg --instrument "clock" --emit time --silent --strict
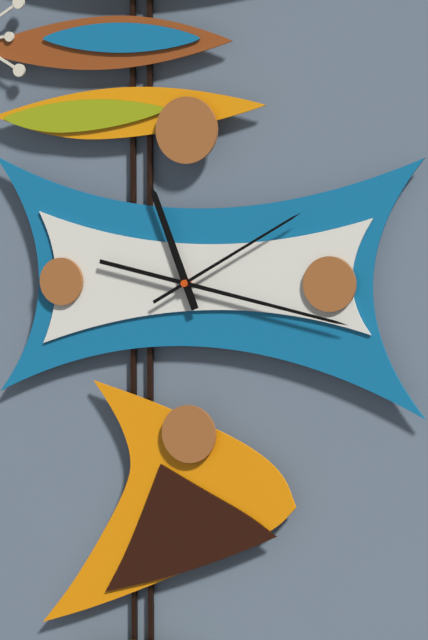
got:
11:17:10
